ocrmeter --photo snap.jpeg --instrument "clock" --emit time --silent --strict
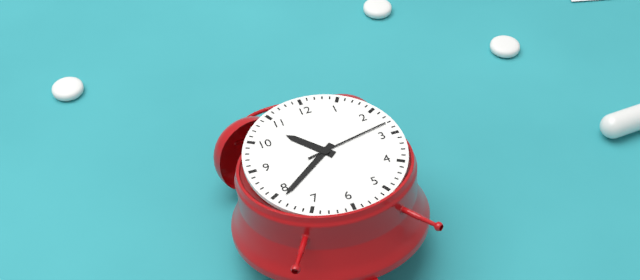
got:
10:39:13
